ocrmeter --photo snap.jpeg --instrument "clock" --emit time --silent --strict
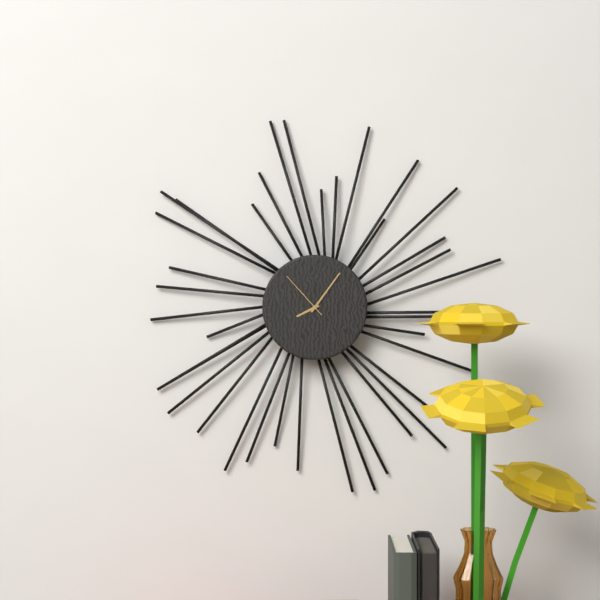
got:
8:06:53
